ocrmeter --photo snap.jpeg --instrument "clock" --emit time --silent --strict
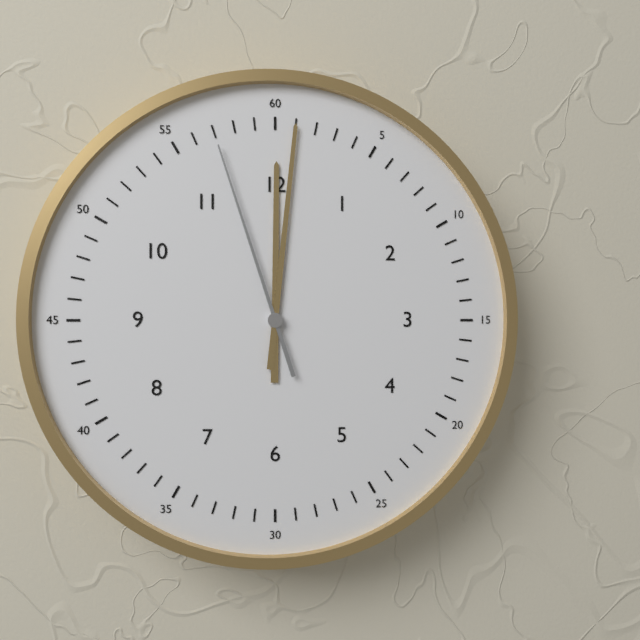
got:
12:01:57
